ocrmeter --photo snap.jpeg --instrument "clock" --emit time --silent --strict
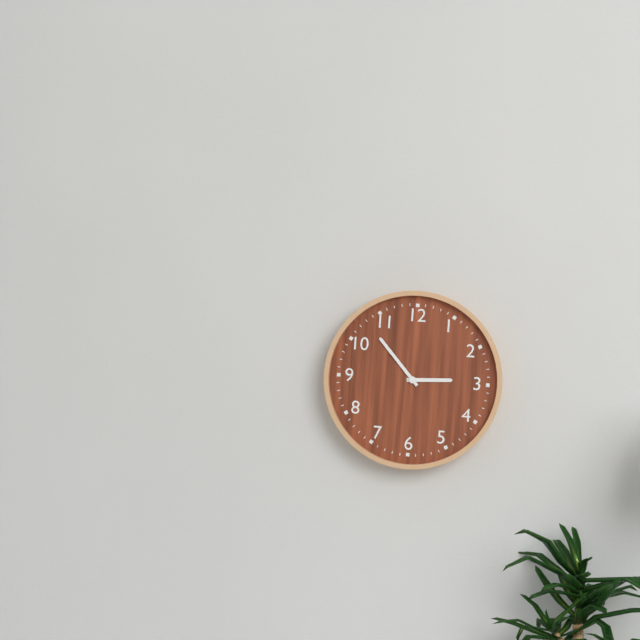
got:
2:53
